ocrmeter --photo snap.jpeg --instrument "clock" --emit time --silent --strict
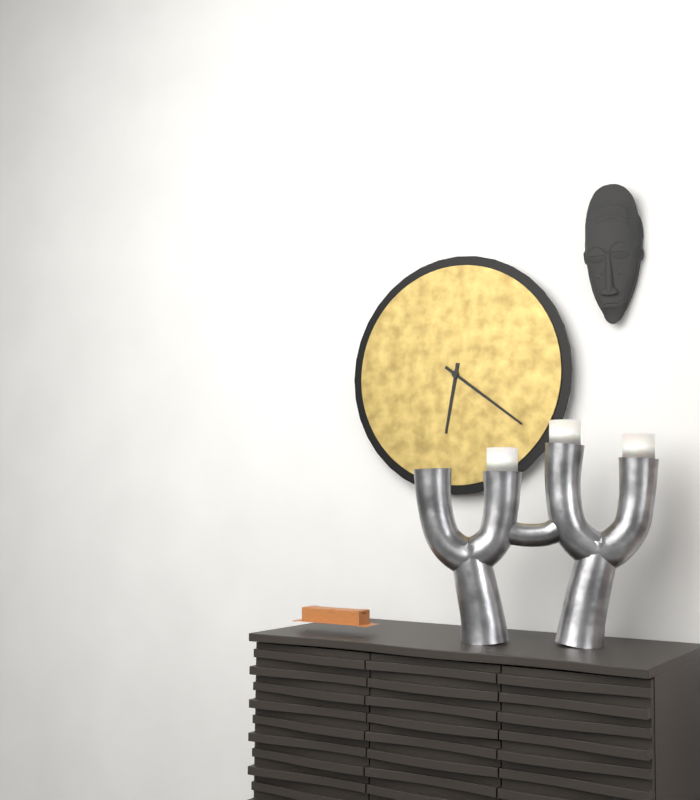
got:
6:21
